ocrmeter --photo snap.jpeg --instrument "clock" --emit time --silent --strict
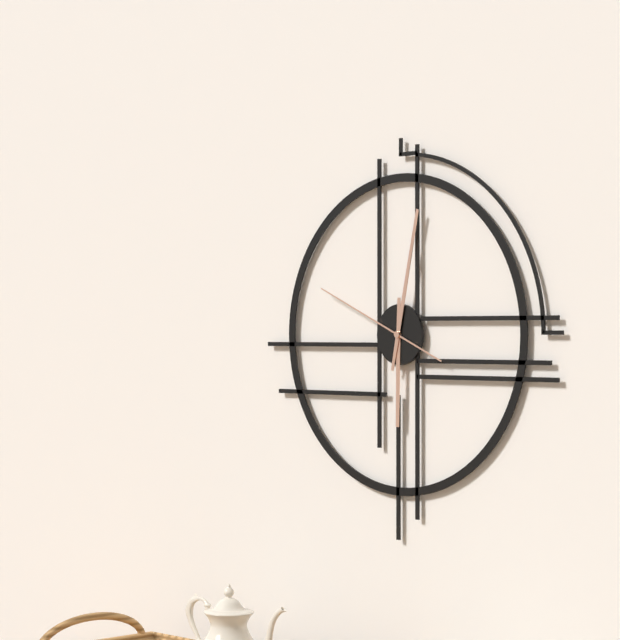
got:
6:02:49
